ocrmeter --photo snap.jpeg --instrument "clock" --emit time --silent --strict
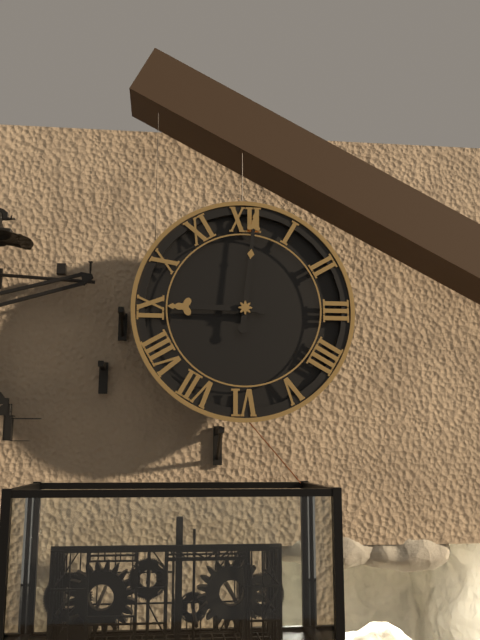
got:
9:01
